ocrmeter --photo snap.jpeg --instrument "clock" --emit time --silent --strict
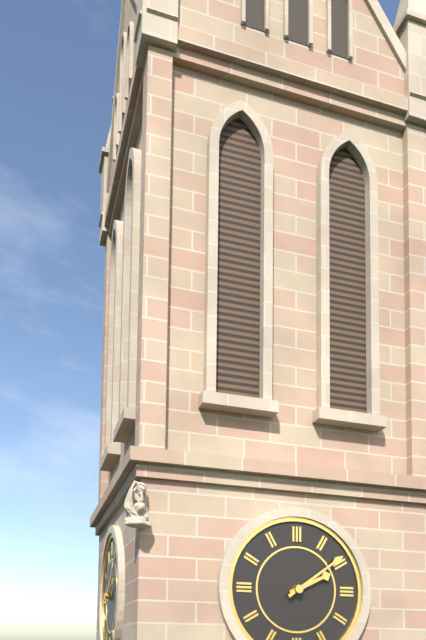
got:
2:09
